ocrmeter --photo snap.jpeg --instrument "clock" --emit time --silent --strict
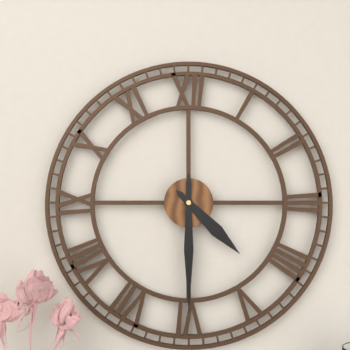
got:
4:30
